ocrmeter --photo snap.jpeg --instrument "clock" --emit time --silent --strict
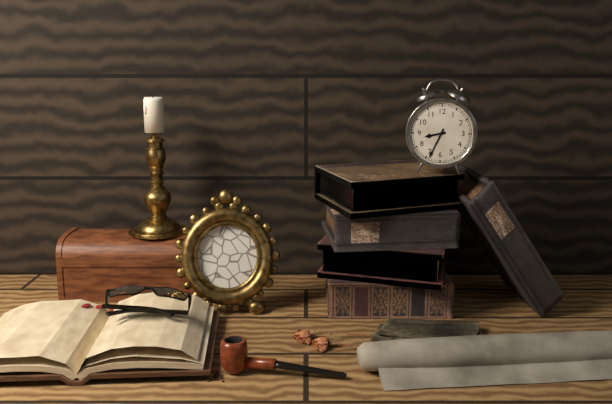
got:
8:34
